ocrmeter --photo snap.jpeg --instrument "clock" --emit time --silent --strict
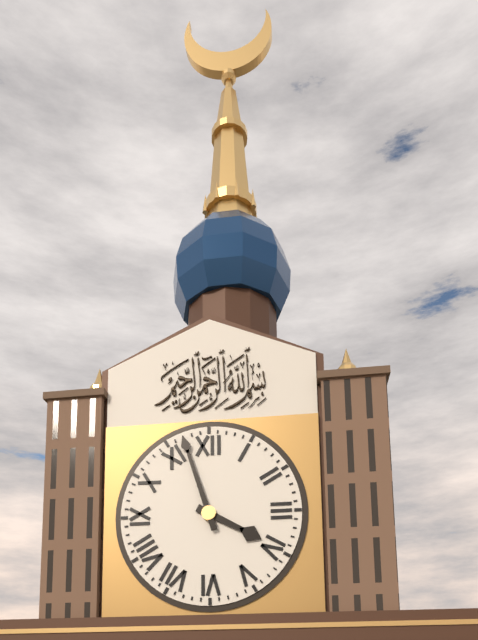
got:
3:57
